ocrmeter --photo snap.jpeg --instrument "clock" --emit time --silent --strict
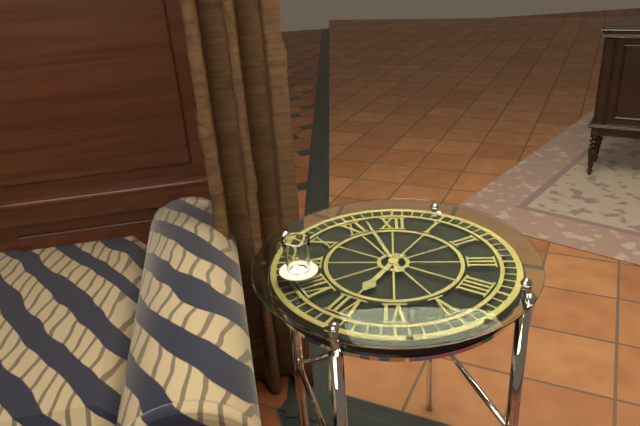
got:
6:57
